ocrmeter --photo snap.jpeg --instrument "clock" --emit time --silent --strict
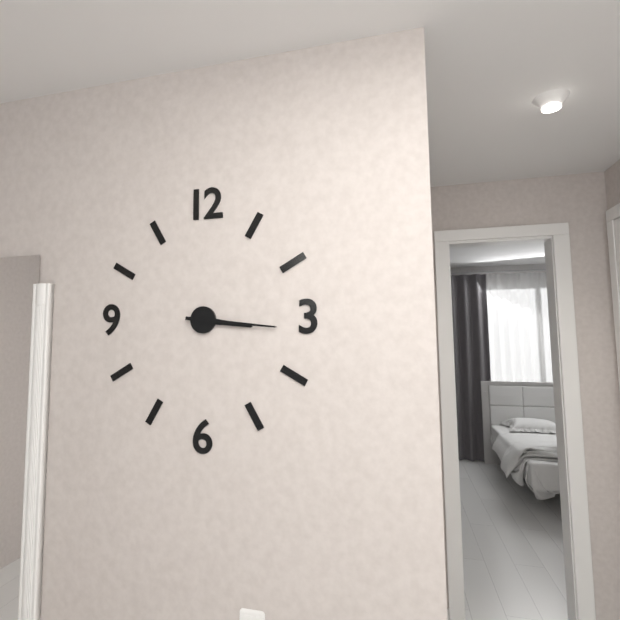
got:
3:16
